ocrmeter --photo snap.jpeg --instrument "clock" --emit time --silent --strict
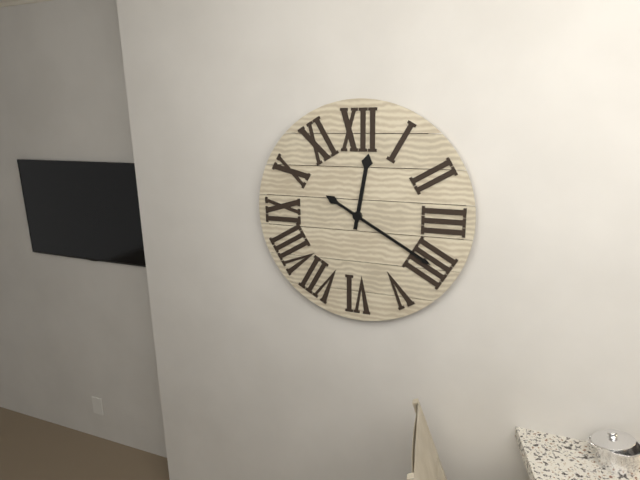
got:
12:20
